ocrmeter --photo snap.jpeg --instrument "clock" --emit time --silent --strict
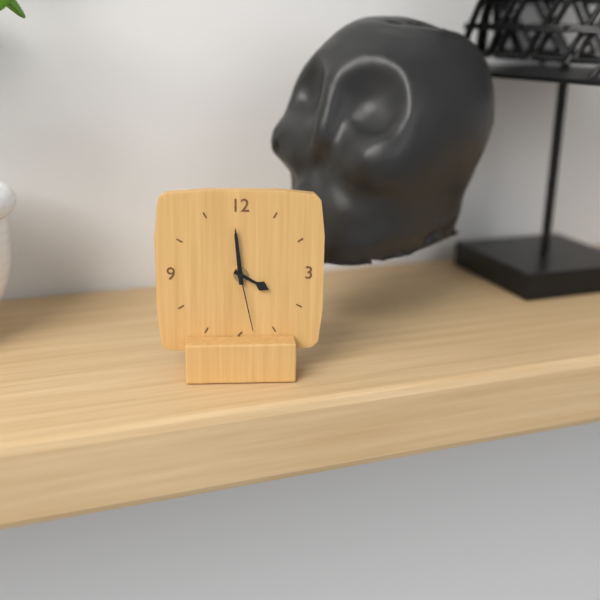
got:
3:59:28
